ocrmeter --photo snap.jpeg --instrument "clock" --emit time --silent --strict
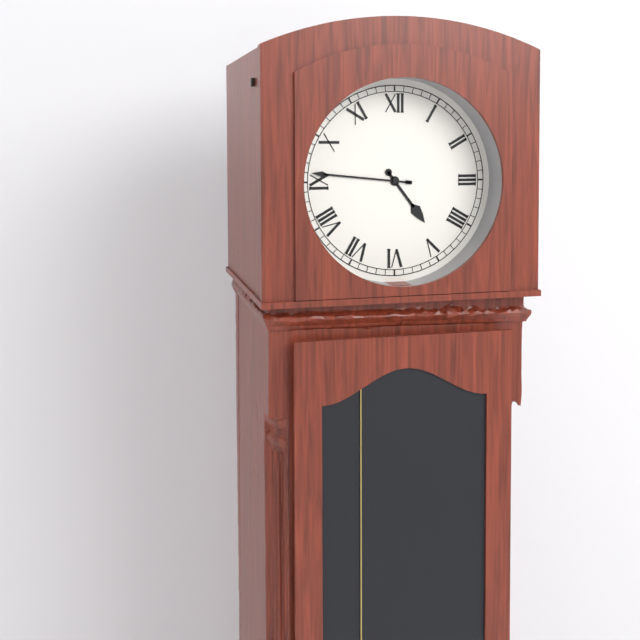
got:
4:46
